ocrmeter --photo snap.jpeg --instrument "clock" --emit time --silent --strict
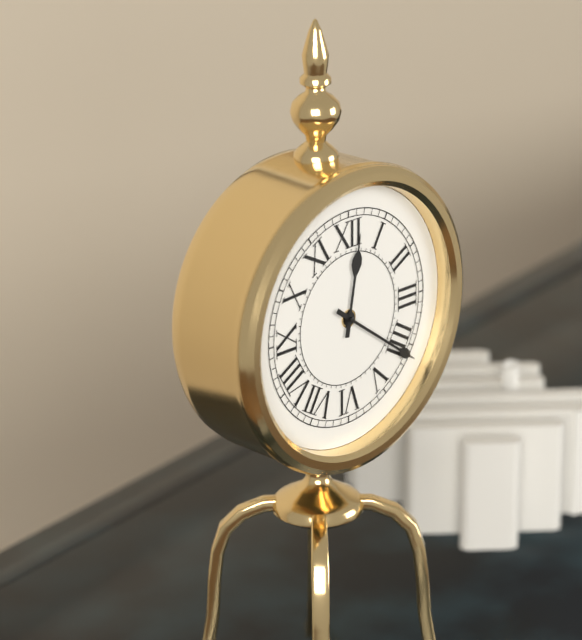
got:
12:21
